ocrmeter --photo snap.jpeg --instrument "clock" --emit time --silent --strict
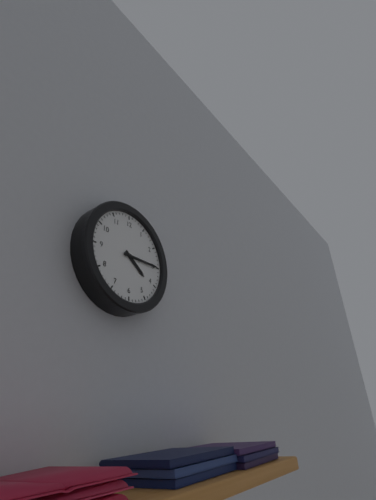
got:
4:15
